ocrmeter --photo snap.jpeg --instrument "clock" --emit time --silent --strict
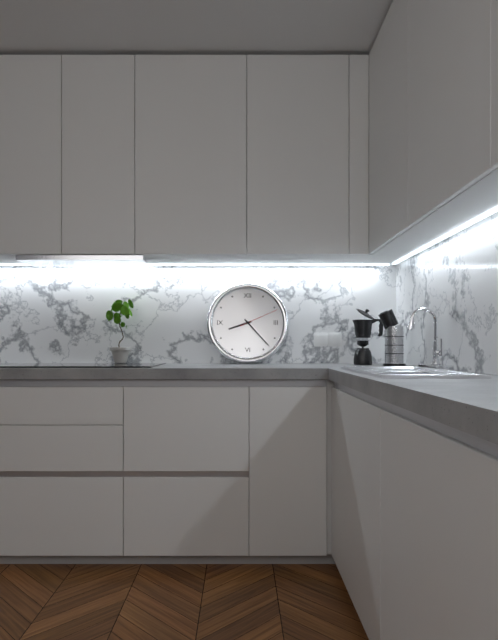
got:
8:23
